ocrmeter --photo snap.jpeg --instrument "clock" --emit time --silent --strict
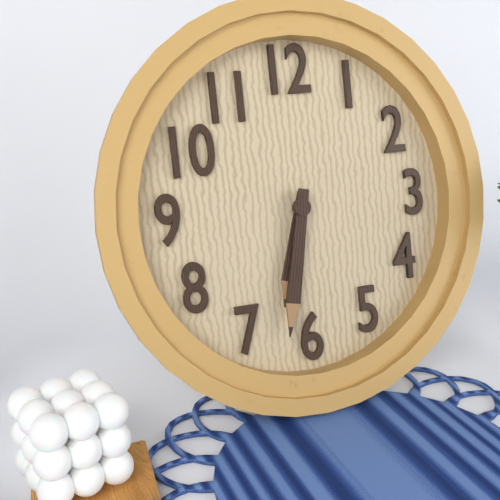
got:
6:32
